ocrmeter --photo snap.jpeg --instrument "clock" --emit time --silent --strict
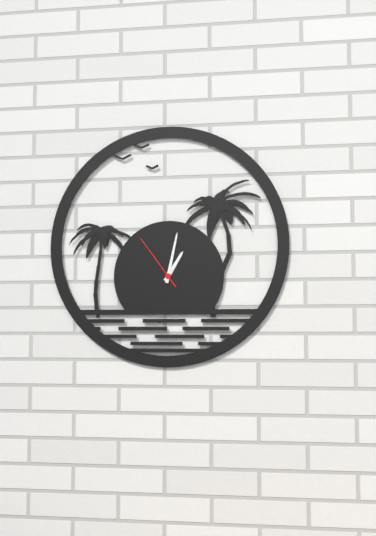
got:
1:02:54
